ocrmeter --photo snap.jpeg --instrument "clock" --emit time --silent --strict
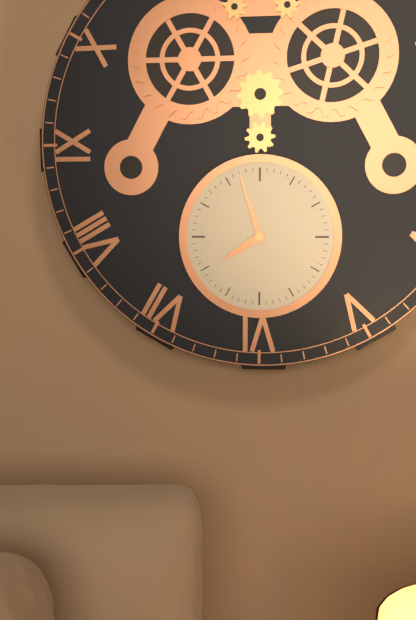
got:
7:57
